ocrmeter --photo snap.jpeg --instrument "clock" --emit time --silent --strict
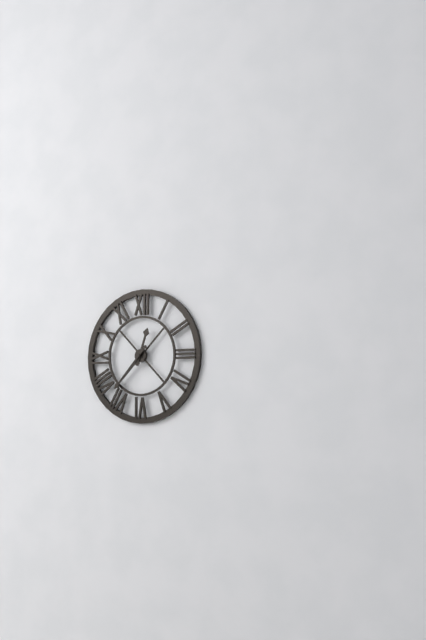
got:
12:37
